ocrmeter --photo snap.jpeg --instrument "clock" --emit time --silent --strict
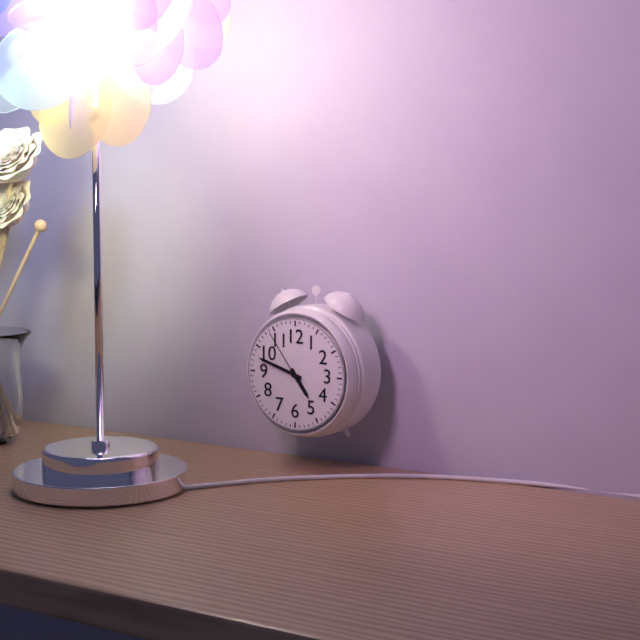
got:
4:48:54
